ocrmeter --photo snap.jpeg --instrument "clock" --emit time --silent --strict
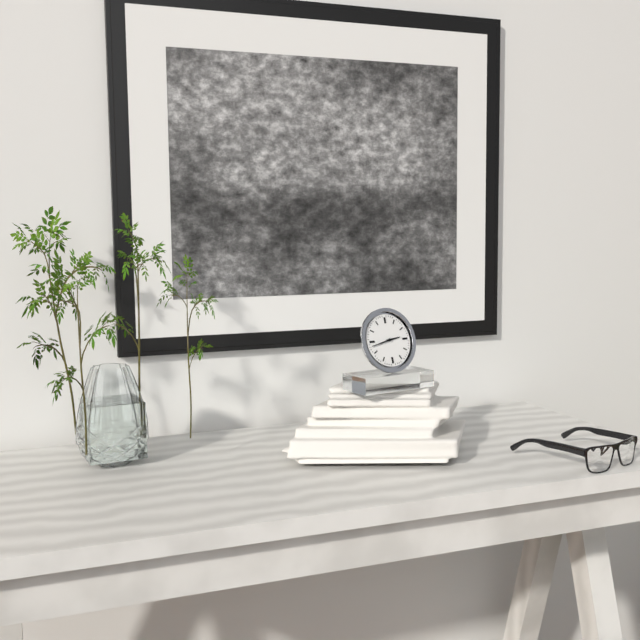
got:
2:43
